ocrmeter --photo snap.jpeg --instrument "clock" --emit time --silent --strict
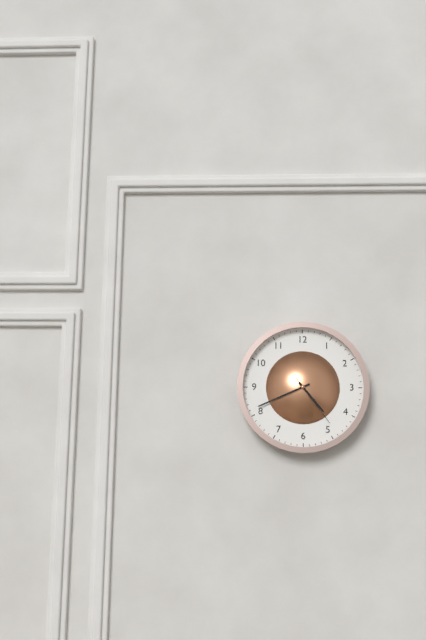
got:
4:41:24
